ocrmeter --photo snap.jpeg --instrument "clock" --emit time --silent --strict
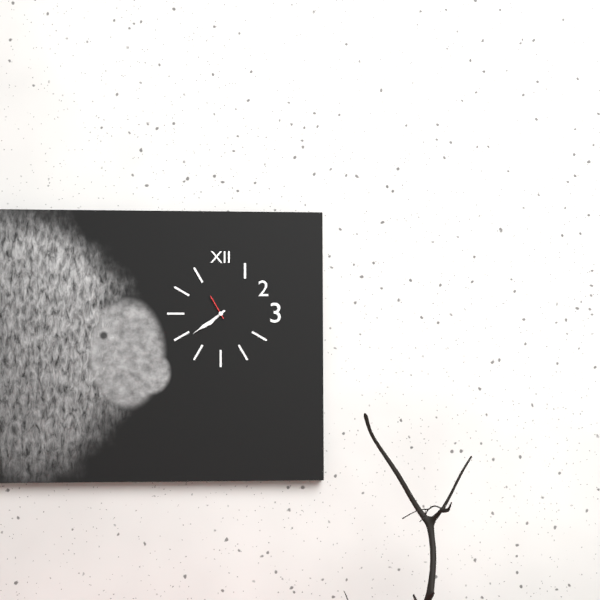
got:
7:39
